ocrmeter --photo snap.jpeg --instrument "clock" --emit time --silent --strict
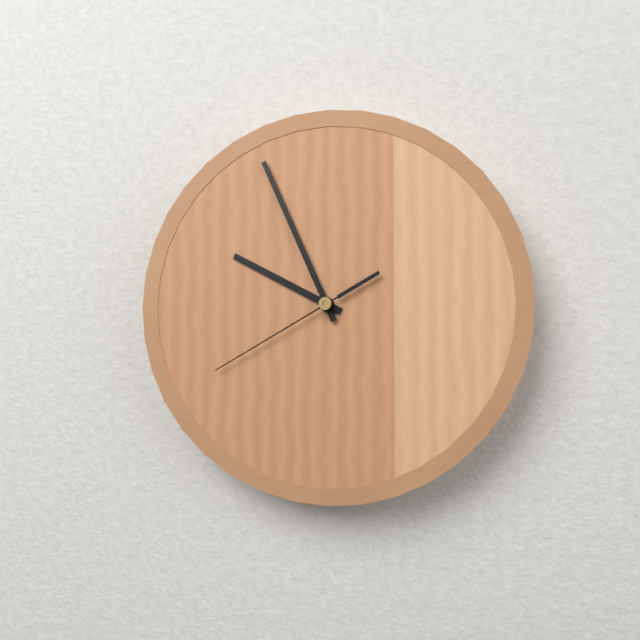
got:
9:56:40
